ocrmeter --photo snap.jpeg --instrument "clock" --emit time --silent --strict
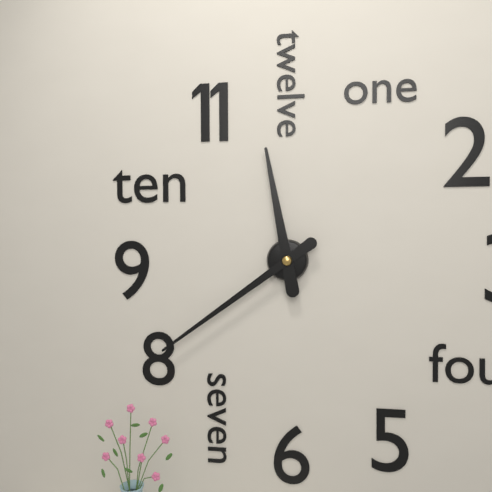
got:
11:39
